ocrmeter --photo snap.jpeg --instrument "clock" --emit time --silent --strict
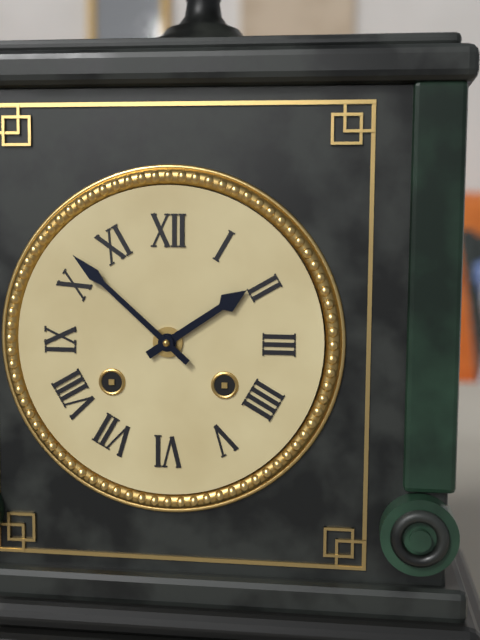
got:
1:52
